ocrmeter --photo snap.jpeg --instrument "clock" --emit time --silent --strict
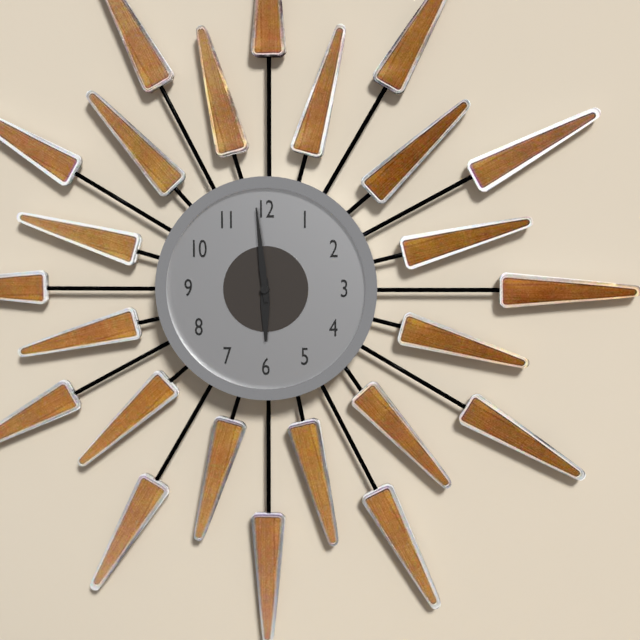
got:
5:59
